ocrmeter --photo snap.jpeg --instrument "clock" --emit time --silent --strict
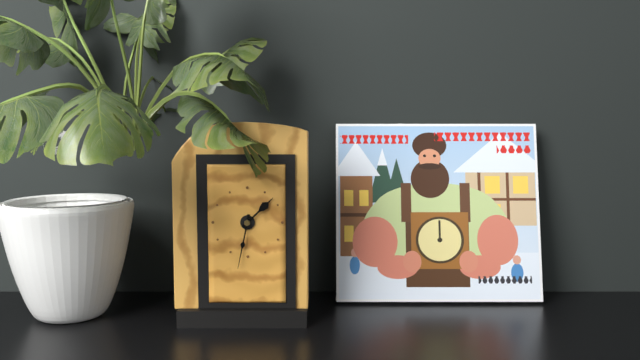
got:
1:32
